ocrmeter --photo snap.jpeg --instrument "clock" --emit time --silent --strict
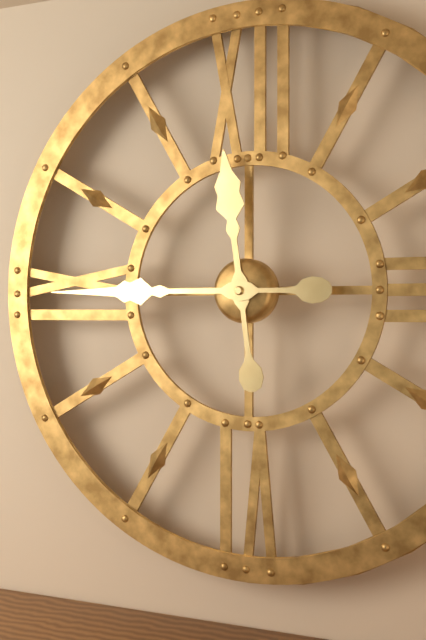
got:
11:45
